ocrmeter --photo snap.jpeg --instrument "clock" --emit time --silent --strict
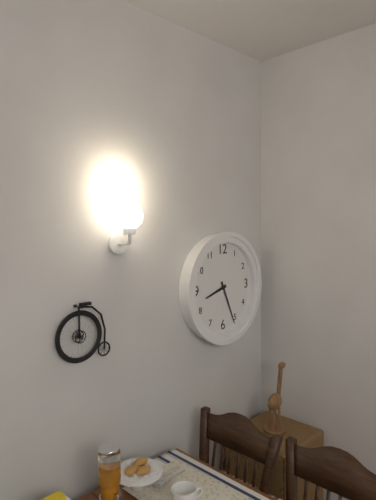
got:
8:26
